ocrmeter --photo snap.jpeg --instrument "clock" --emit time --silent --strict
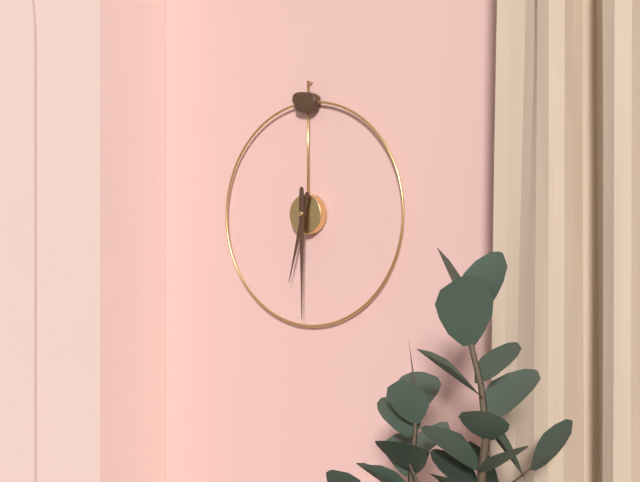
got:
6:30
